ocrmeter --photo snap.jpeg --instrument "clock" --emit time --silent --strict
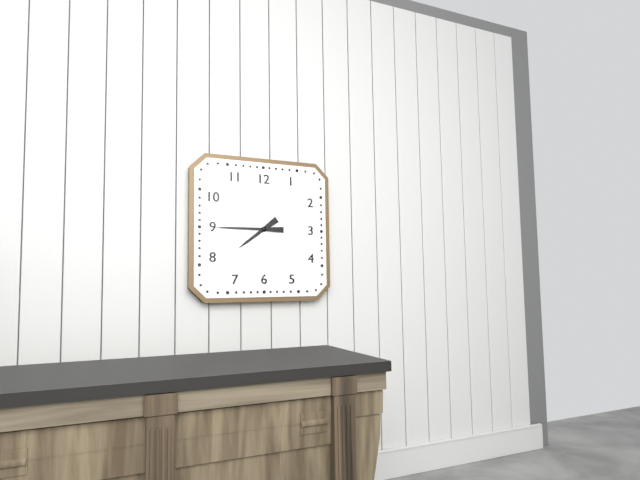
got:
7:45
